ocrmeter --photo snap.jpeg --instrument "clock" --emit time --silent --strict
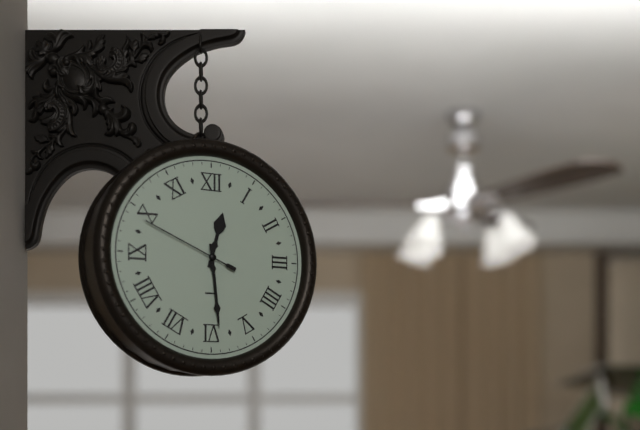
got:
12:29:49
